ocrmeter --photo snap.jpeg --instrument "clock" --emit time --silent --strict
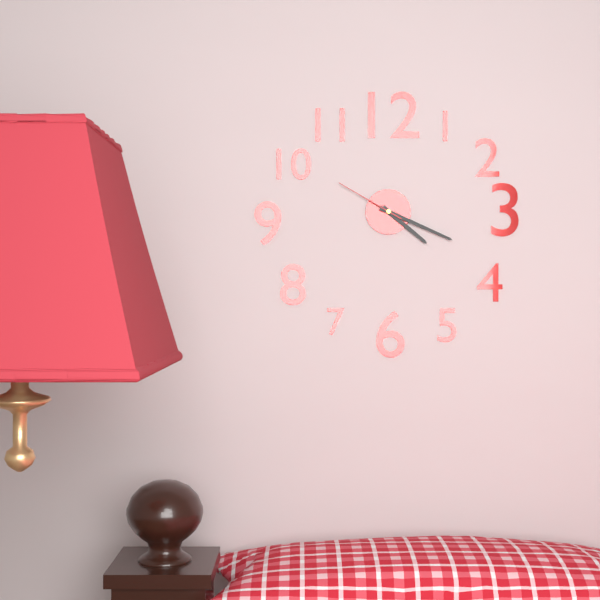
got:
4:19:50
